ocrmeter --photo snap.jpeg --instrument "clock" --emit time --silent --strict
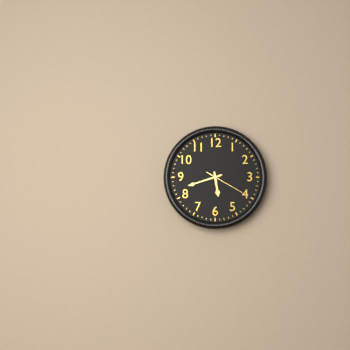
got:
5:42
